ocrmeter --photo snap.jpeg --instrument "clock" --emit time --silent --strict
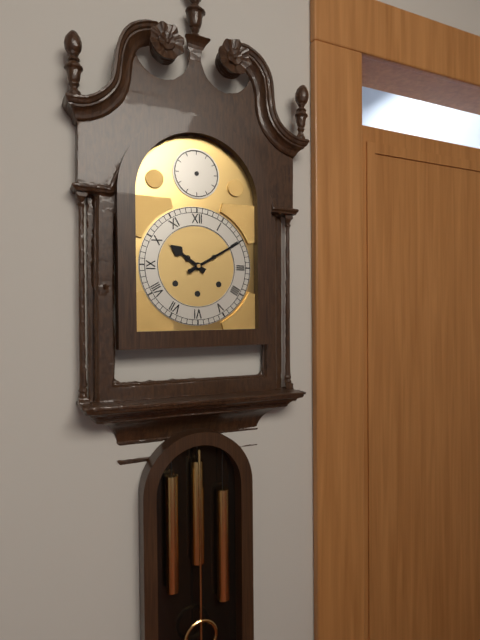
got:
10:10
